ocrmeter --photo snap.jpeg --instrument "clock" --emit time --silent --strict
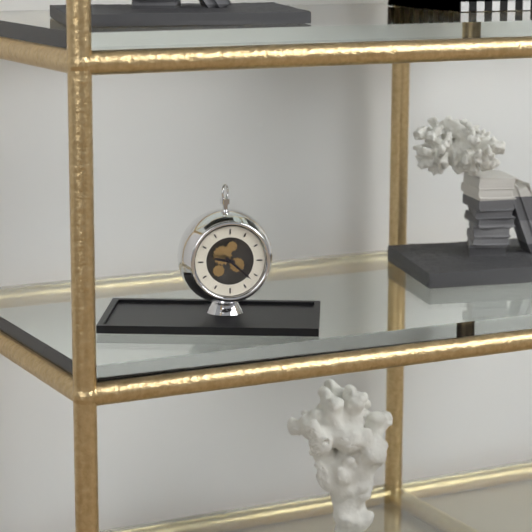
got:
9:22
